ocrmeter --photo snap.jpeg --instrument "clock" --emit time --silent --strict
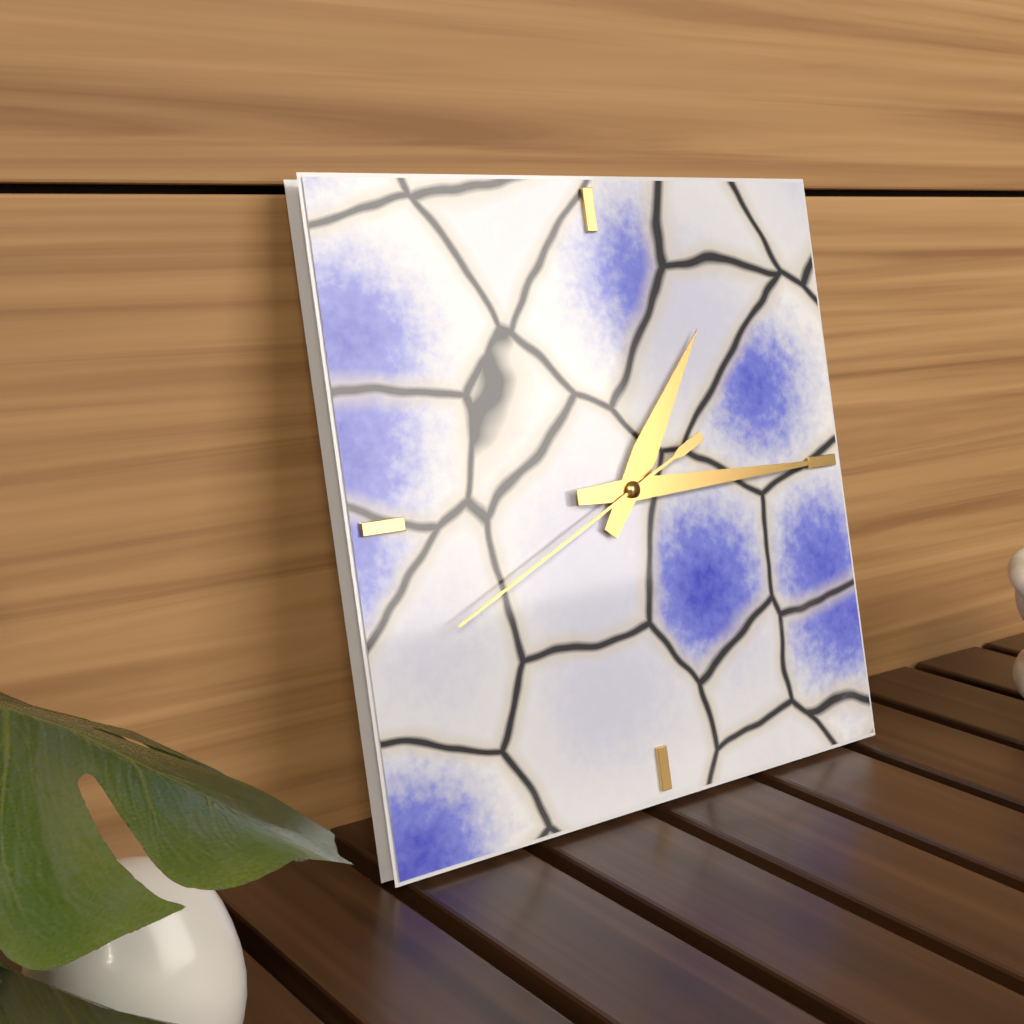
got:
1:15:41
